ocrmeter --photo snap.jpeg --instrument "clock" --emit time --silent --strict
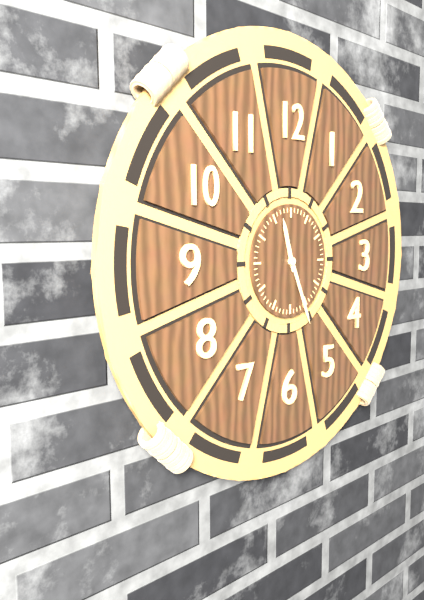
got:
11:26
